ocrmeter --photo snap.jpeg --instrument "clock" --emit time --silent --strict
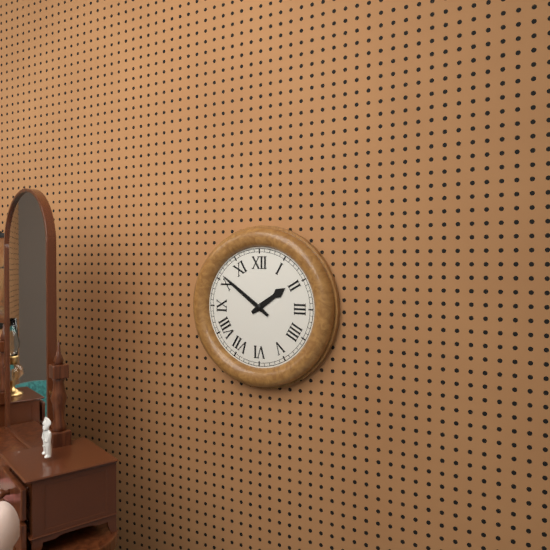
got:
1:51
